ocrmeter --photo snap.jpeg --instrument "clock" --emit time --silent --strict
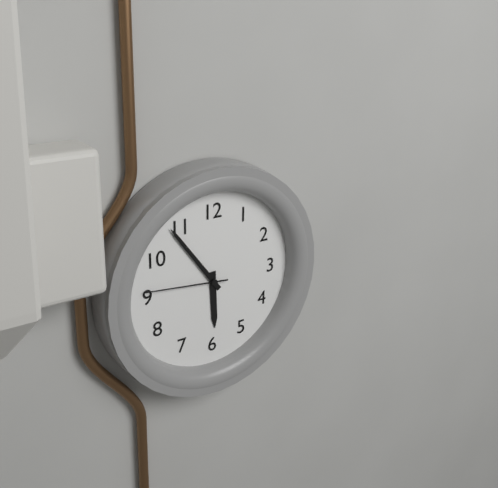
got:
5:54:46
